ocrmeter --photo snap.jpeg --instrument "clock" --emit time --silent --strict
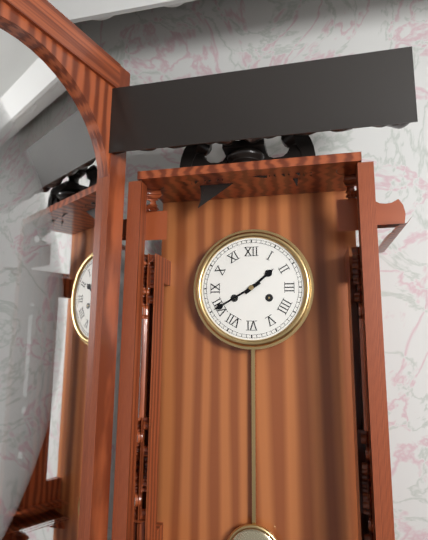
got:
1:40
